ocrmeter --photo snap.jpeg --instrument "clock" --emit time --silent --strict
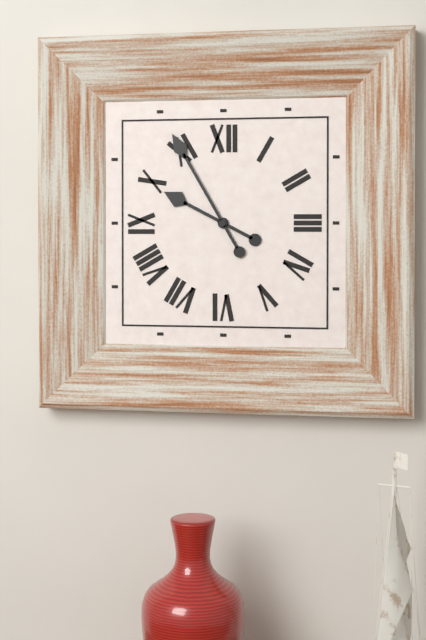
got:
9:55
